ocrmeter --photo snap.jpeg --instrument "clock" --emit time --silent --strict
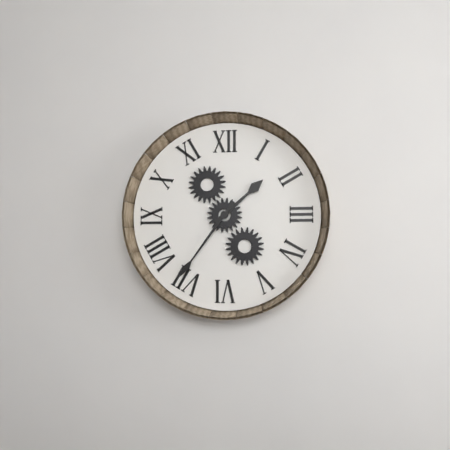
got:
1:36
